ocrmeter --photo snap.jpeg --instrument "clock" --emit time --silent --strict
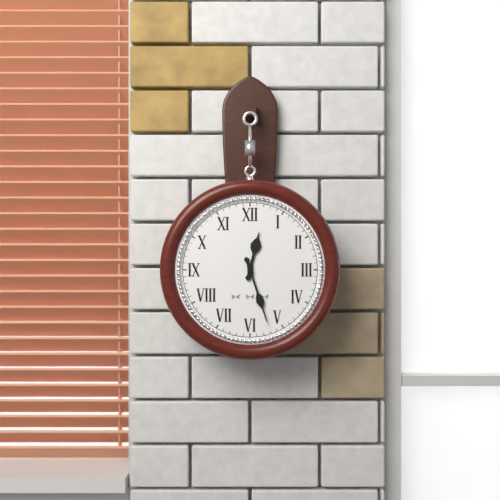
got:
12:27
